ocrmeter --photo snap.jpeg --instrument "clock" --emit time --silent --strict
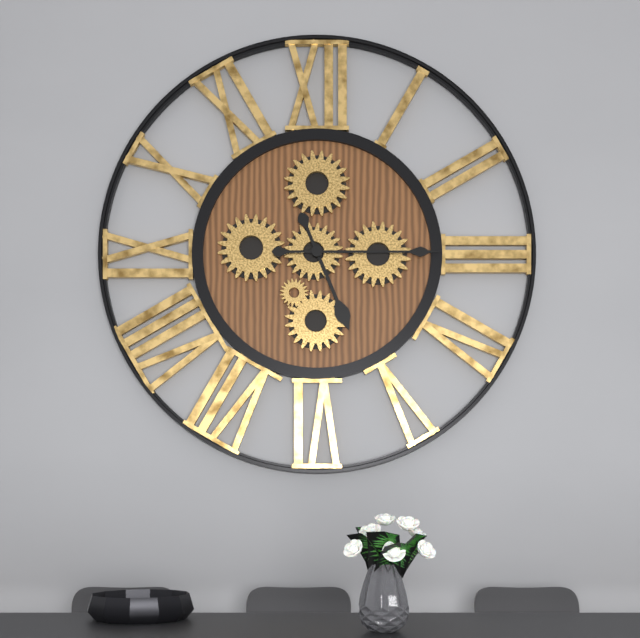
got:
5:15
